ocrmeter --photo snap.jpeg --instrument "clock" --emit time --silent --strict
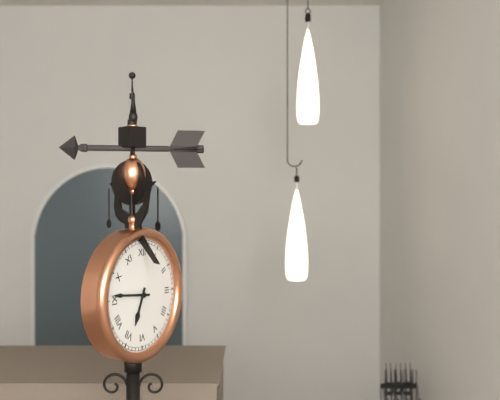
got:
6:46
